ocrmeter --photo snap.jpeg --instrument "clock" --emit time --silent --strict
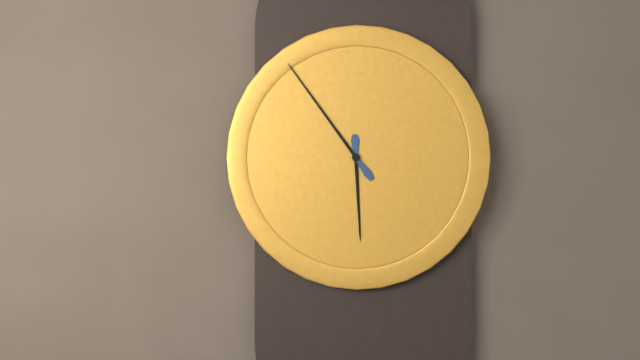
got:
5:54
